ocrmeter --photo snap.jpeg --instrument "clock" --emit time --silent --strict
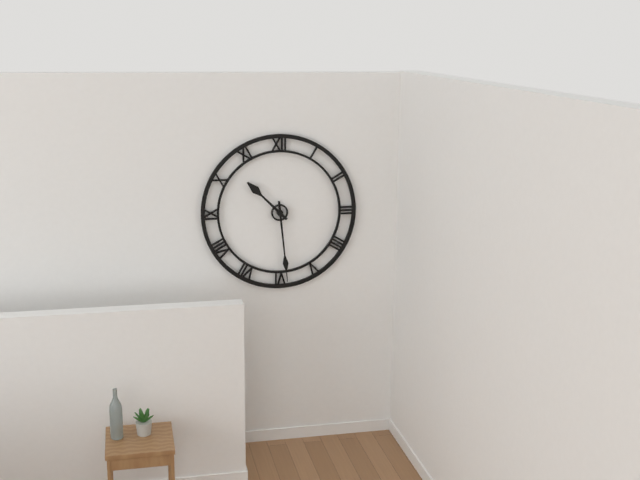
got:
10:29
